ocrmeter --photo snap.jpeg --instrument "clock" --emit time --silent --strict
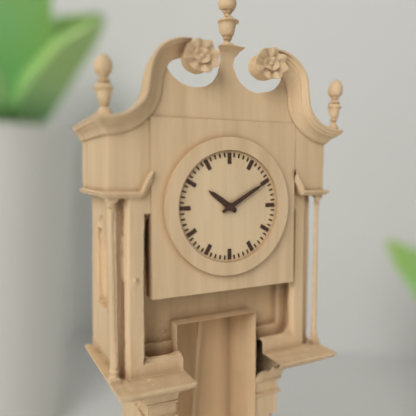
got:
10:10
